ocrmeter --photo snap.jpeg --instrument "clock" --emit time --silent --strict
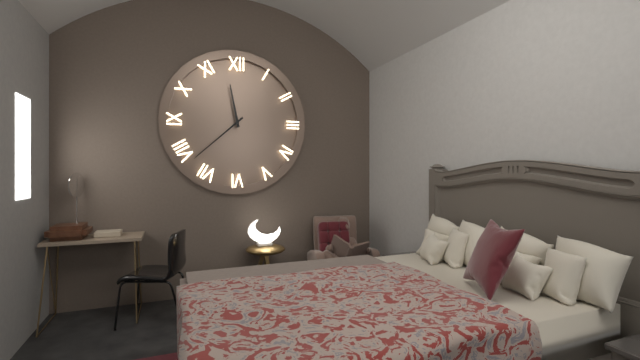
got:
11:38
